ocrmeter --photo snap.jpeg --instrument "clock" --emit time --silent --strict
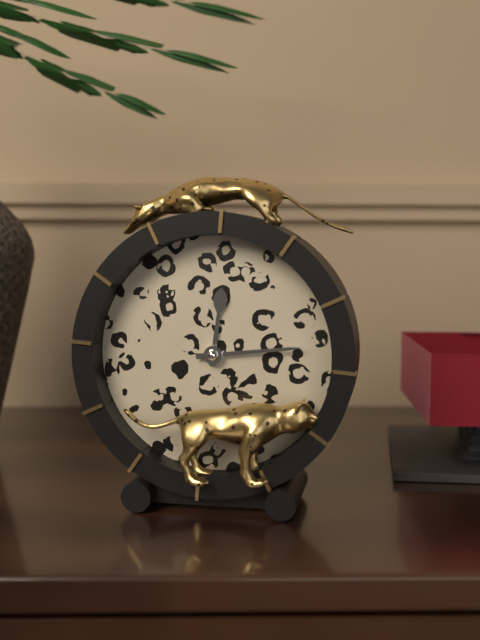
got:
12:14
